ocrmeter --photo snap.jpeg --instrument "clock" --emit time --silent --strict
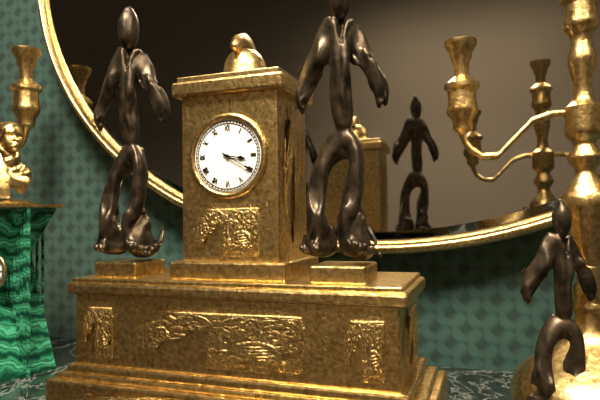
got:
3:20
